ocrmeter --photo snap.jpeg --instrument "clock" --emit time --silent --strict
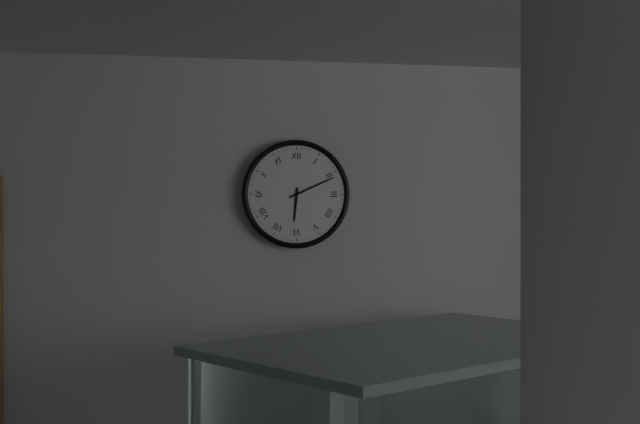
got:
6:11
